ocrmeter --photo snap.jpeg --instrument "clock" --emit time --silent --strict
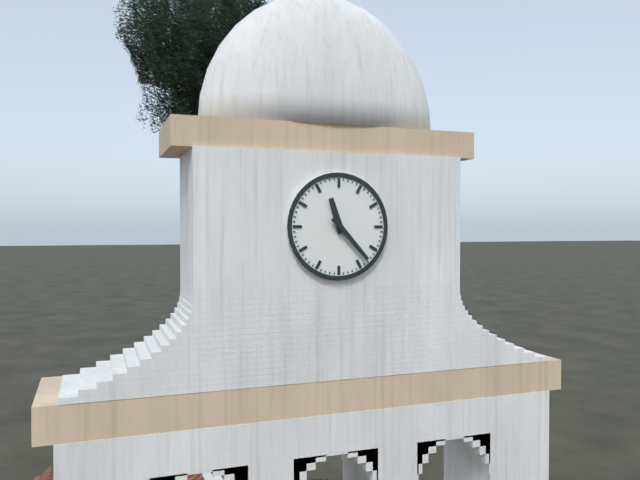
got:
11:23
